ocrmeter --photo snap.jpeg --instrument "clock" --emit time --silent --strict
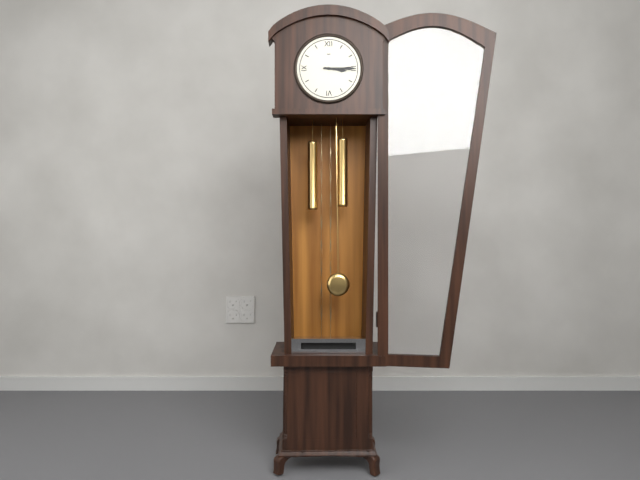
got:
3:15
